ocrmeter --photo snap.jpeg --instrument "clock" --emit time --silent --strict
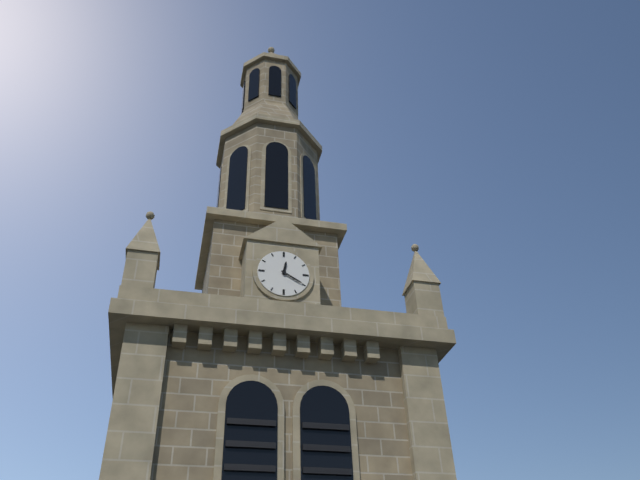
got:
12:20
